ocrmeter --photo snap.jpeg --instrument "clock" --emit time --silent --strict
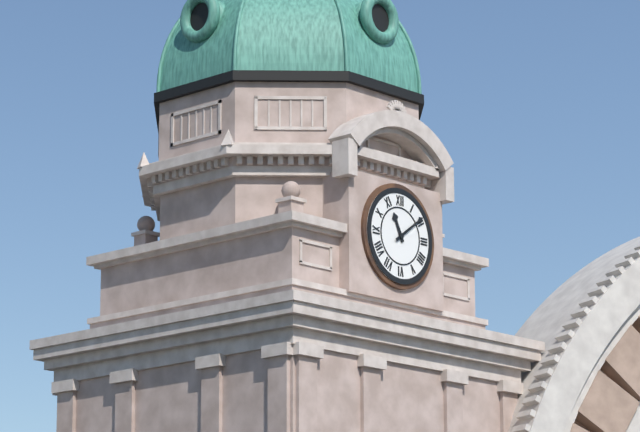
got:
11:09
